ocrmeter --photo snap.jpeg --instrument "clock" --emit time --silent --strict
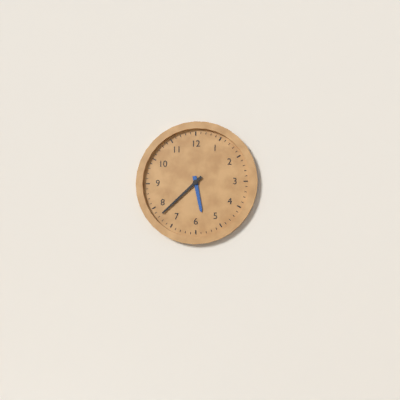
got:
5:38
